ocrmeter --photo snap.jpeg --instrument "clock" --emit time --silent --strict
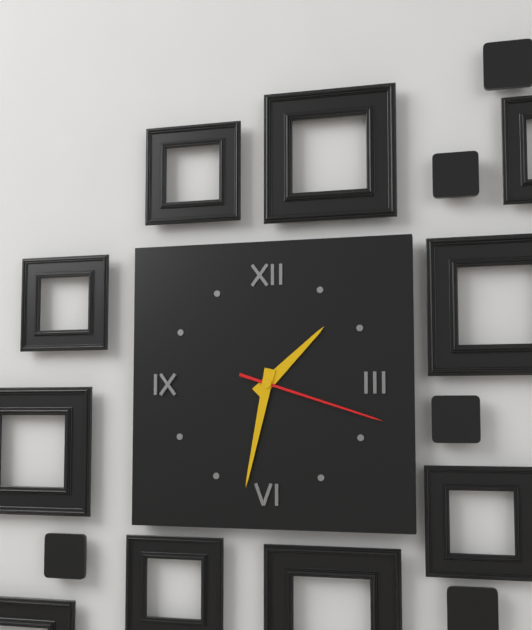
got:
1:32:18
